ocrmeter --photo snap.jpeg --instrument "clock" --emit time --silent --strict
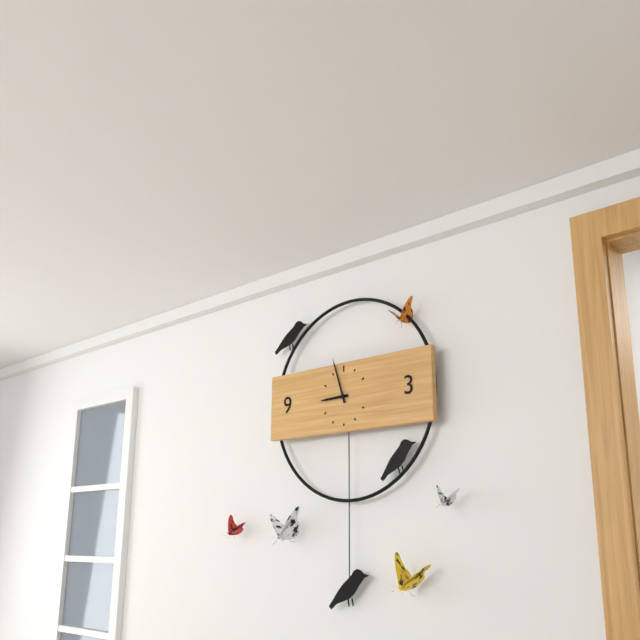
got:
8:57
